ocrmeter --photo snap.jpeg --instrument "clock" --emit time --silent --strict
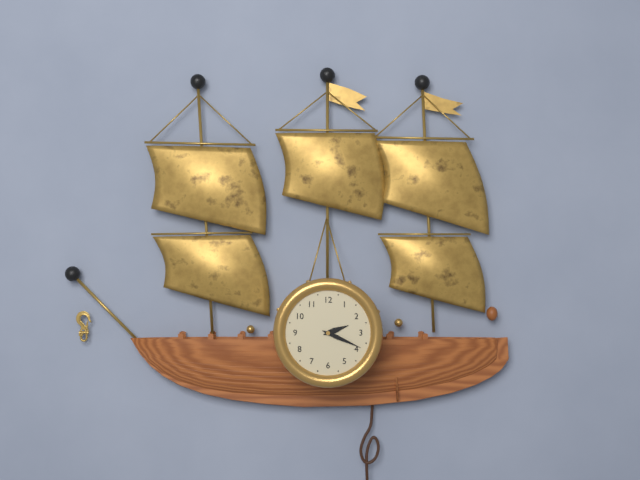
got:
2:19
